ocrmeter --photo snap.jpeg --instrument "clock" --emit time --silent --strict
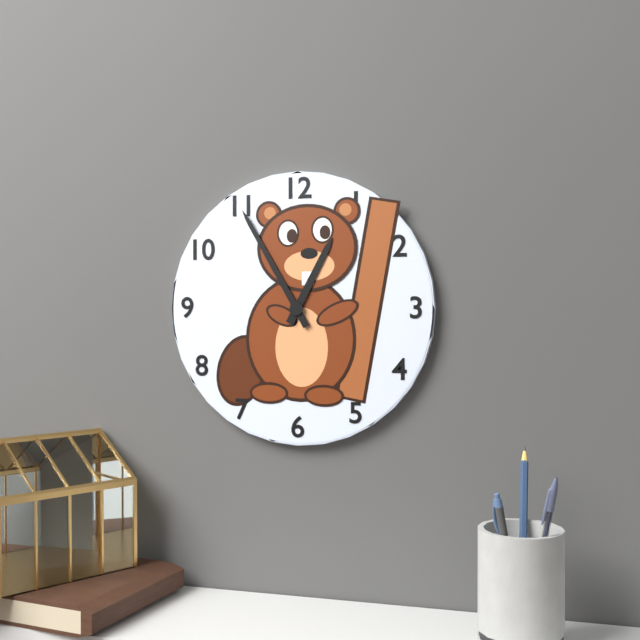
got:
12:55
